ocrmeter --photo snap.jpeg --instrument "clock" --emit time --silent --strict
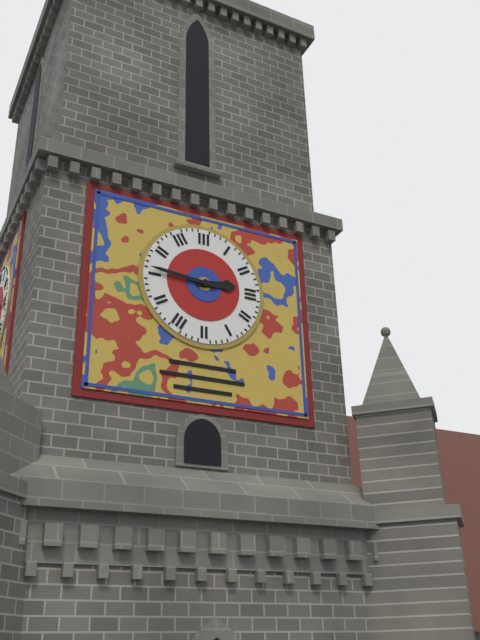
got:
2:46
